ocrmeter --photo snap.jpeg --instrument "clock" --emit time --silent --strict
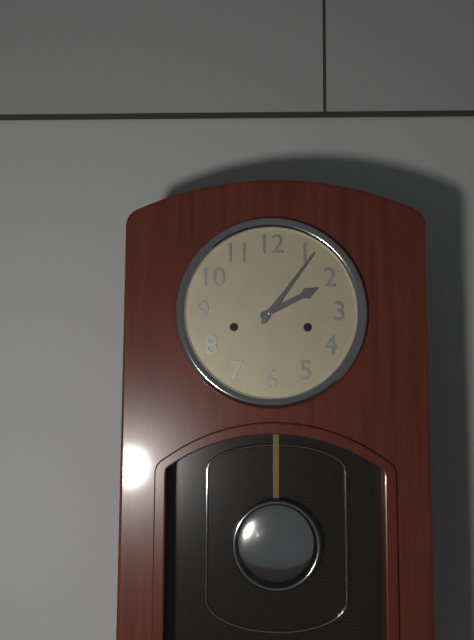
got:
2:06
